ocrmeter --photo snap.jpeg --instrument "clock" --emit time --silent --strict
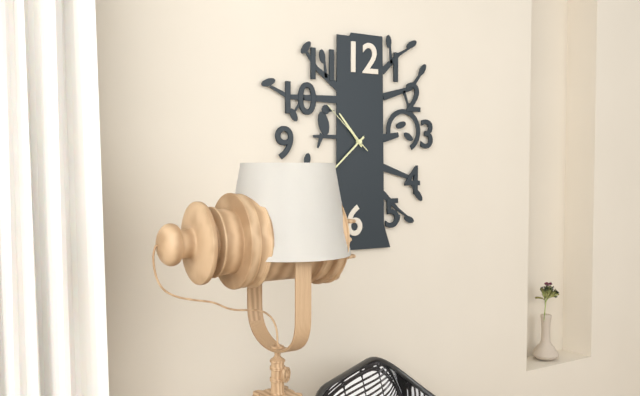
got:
10:38:52
